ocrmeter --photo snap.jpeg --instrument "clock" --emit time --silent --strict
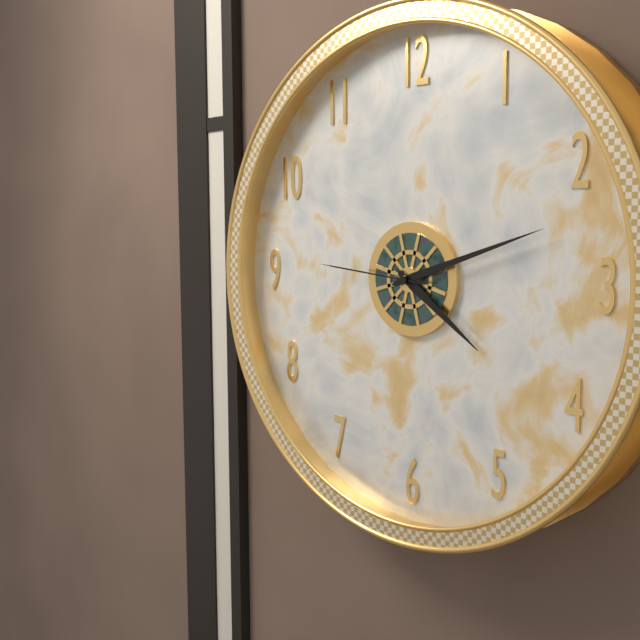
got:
4:12:46
